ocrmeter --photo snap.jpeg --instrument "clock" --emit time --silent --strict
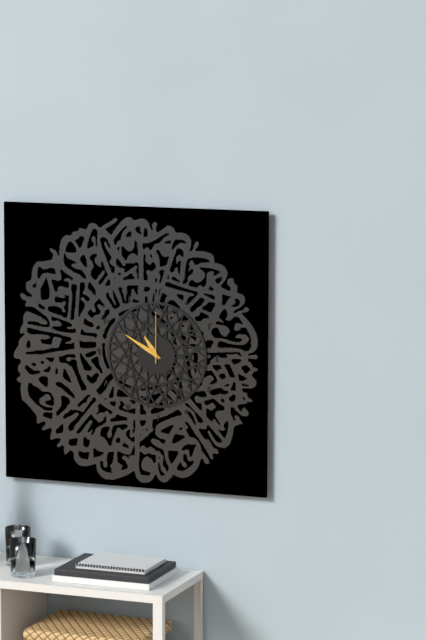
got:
10:50:00
